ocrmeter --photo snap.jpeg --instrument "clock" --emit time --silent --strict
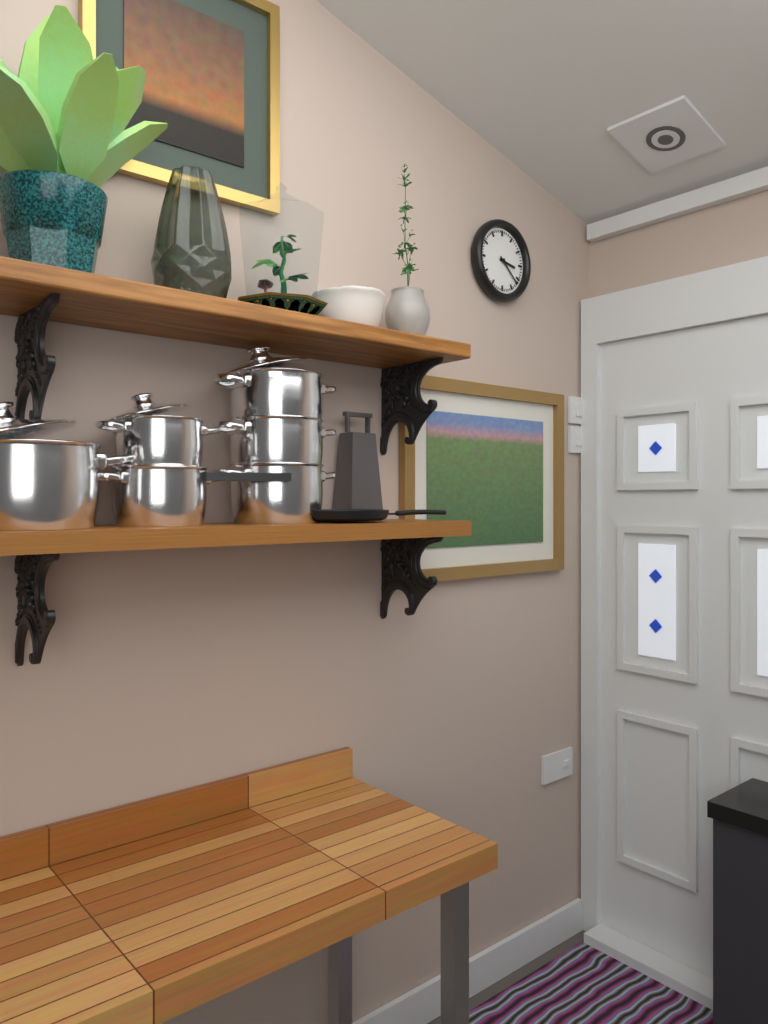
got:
3:22
